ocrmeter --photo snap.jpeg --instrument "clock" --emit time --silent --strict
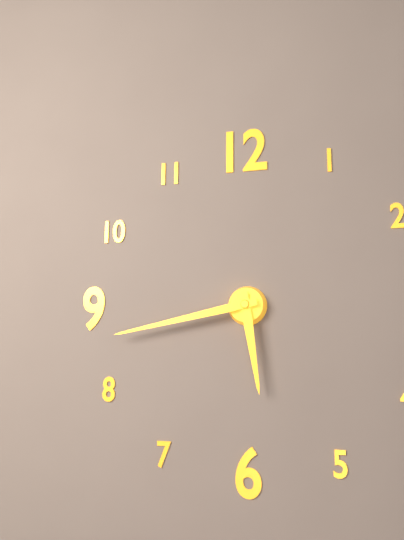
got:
5:43
